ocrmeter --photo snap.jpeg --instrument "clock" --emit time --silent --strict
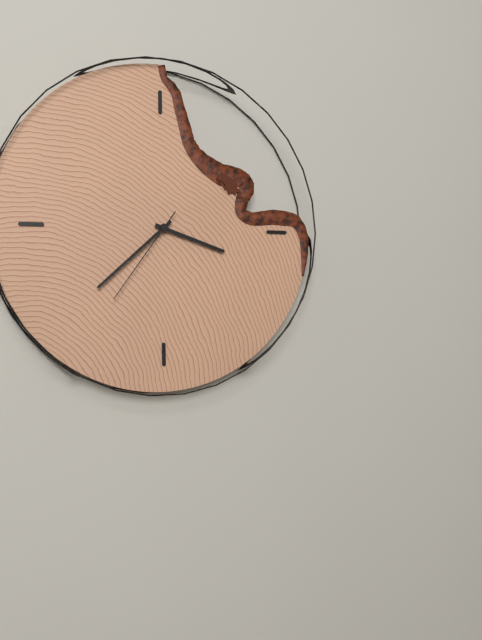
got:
3:38:36
